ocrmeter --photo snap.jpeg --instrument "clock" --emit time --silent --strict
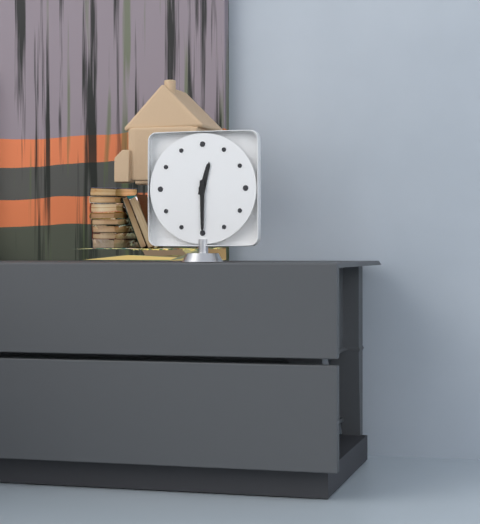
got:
12:30
